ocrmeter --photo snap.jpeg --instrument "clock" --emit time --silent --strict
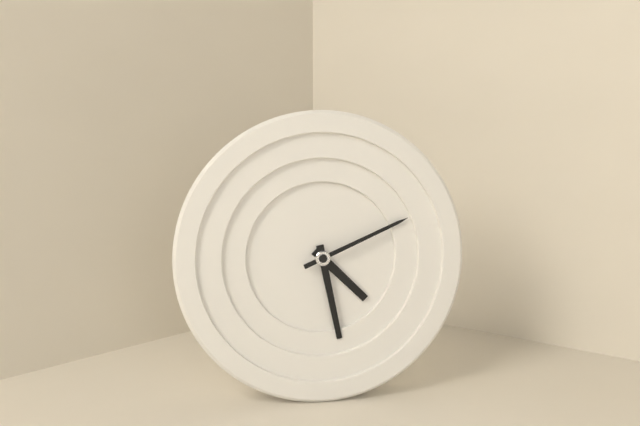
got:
4:28:11
